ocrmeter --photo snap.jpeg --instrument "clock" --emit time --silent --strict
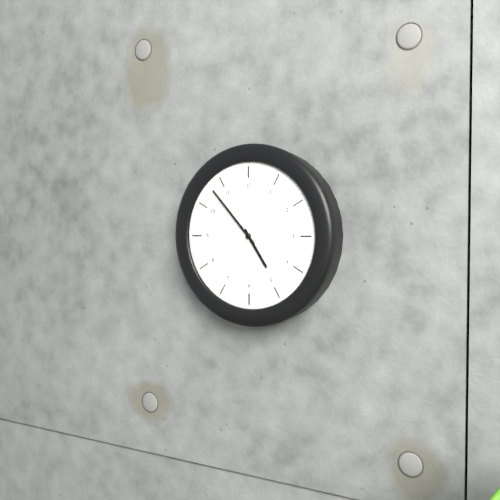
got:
4:53
